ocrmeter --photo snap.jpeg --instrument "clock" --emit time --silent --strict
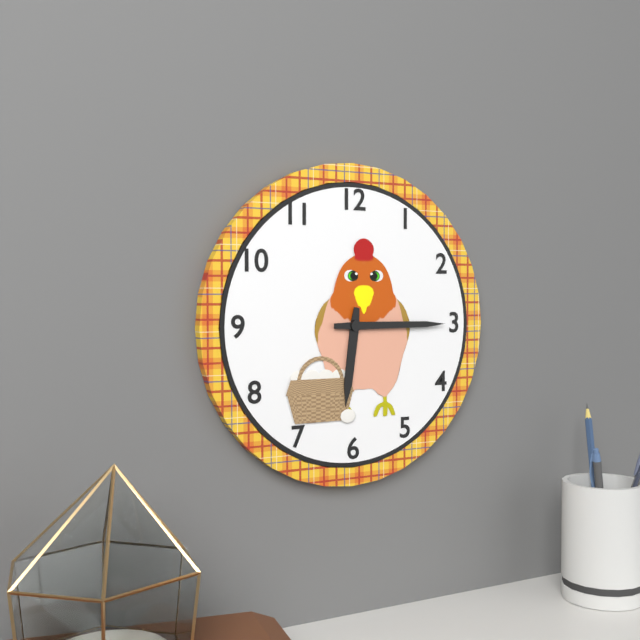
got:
6:15
